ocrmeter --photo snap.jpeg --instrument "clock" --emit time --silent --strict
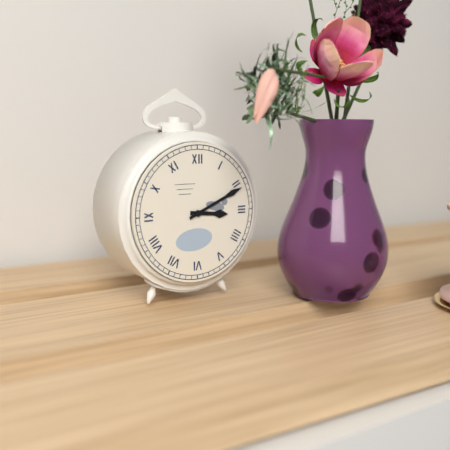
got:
3:11
